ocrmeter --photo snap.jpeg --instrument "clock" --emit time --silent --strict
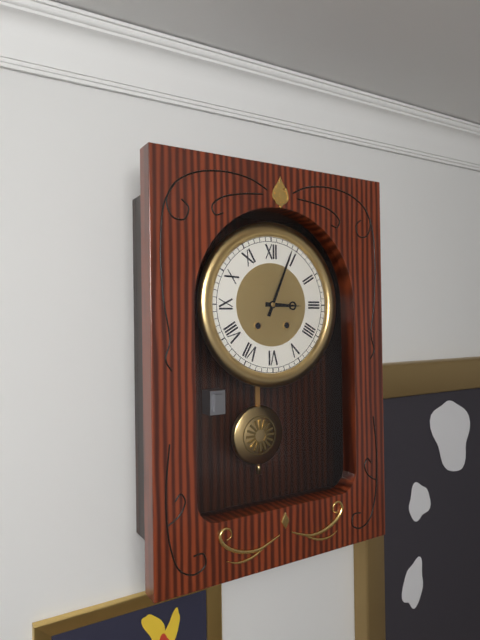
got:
3:04
